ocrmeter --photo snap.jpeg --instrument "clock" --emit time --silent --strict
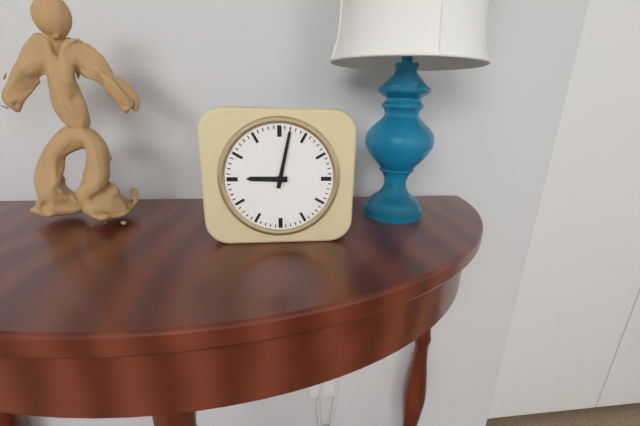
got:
9:02
